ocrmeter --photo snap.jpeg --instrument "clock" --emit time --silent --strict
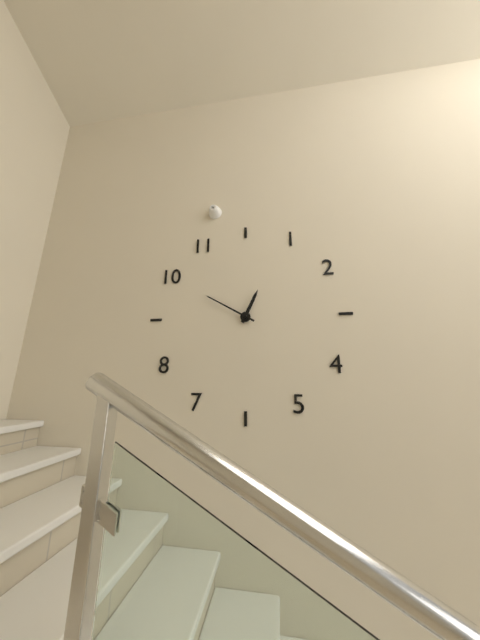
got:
12:50
